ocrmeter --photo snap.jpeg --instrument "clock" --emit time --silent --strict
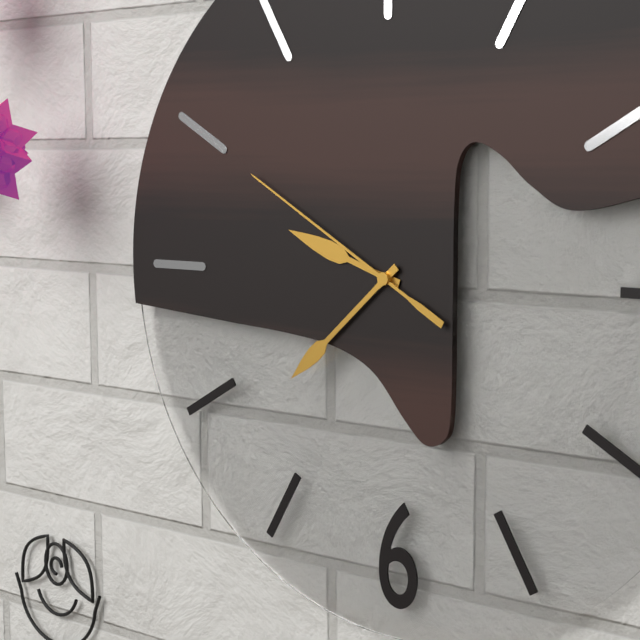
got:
9:38:50
